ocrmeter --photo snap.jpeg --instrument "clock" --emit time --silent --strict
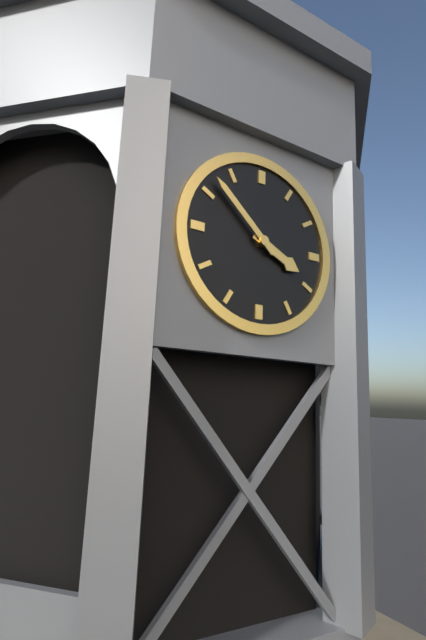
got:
3:52
